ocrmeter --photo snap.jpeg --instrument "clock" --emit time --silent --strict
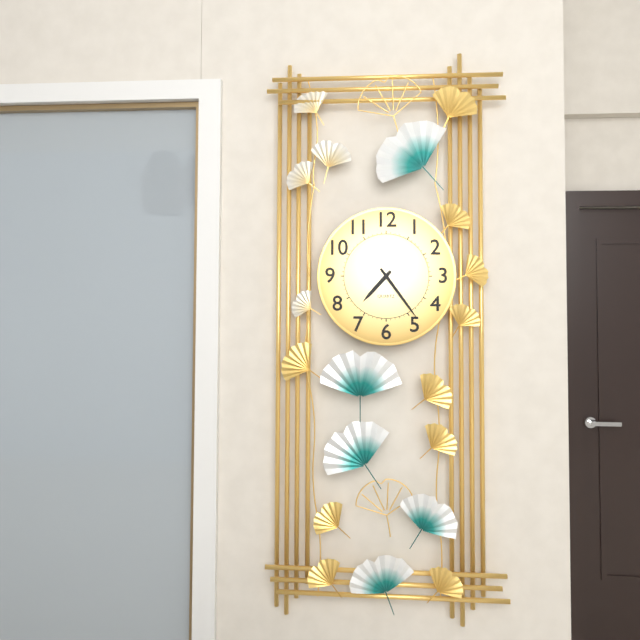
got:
7:24
